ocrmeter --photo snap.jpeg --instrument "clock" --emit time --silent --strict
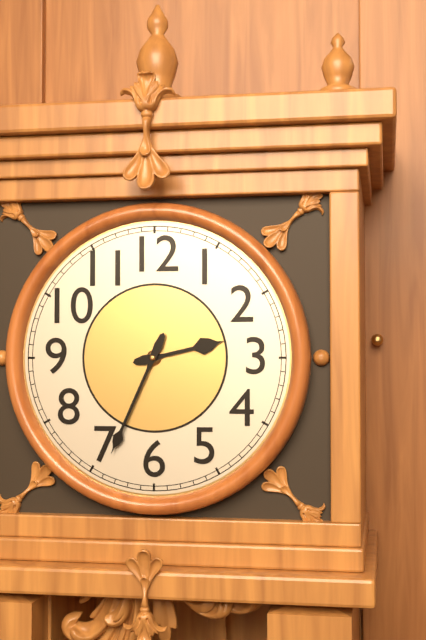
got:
2:34
